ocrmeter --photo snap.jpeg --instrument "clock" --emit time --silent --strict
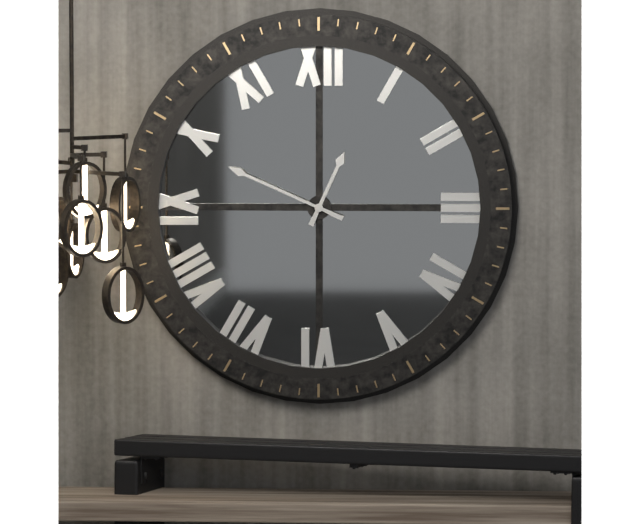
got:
12:49
